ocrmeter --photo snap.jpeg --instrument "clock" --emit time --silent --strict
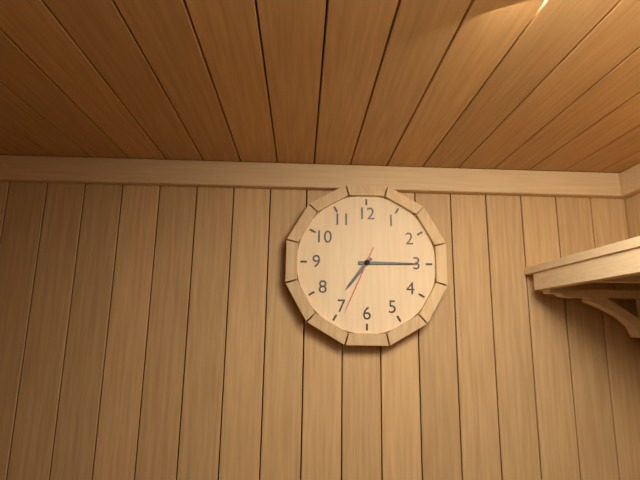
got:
7:15:34
